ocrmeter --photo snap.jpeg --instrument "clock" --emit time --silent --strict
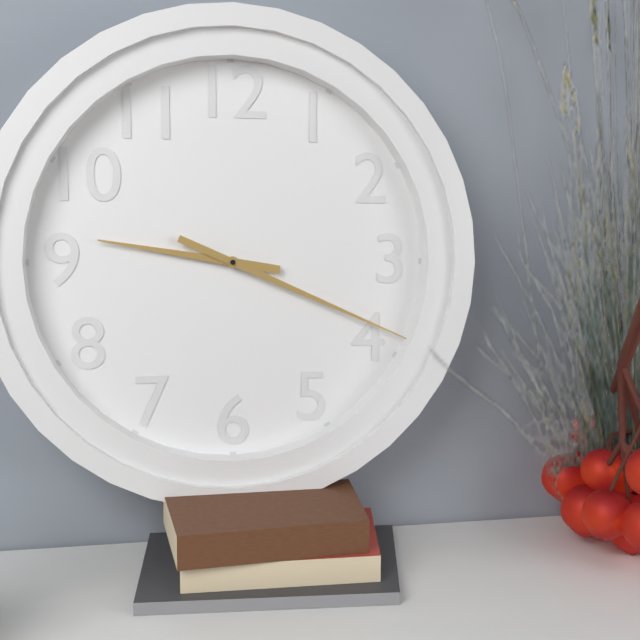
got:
9:19
